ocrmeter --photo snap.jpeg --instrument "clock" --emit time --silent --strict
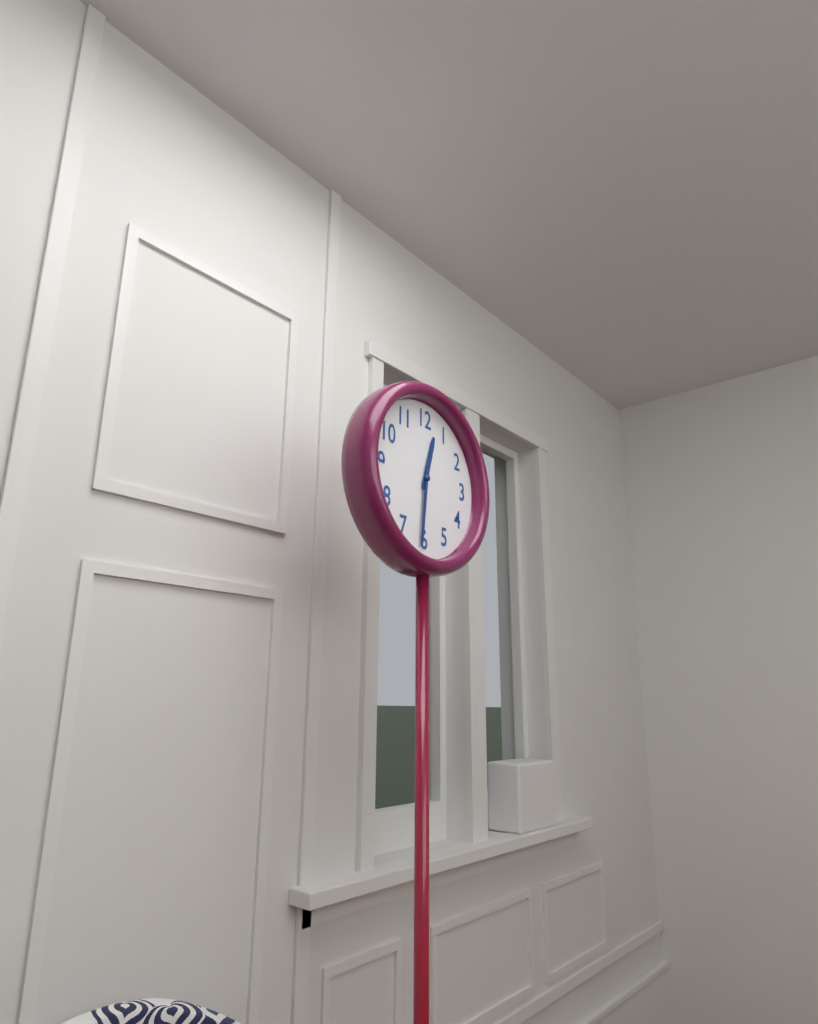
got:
12:31
